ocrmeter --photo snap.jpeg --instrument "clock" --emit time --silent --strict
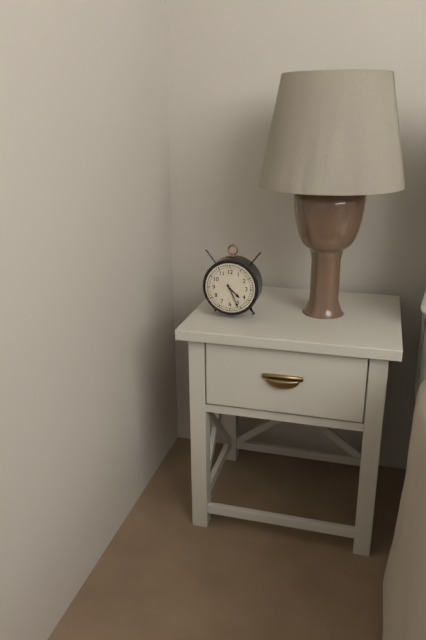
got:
4:26
